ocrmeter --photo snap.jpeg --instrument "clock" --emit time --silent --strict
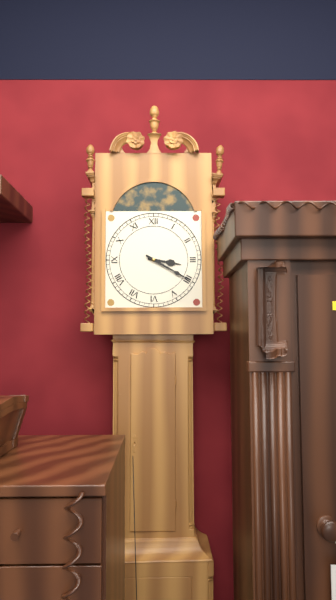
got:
3:20
